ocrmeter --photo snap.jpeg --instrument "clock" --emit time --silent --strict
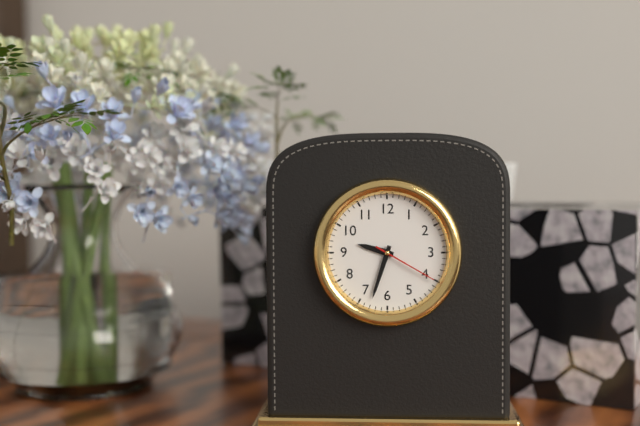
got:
9:33:20
